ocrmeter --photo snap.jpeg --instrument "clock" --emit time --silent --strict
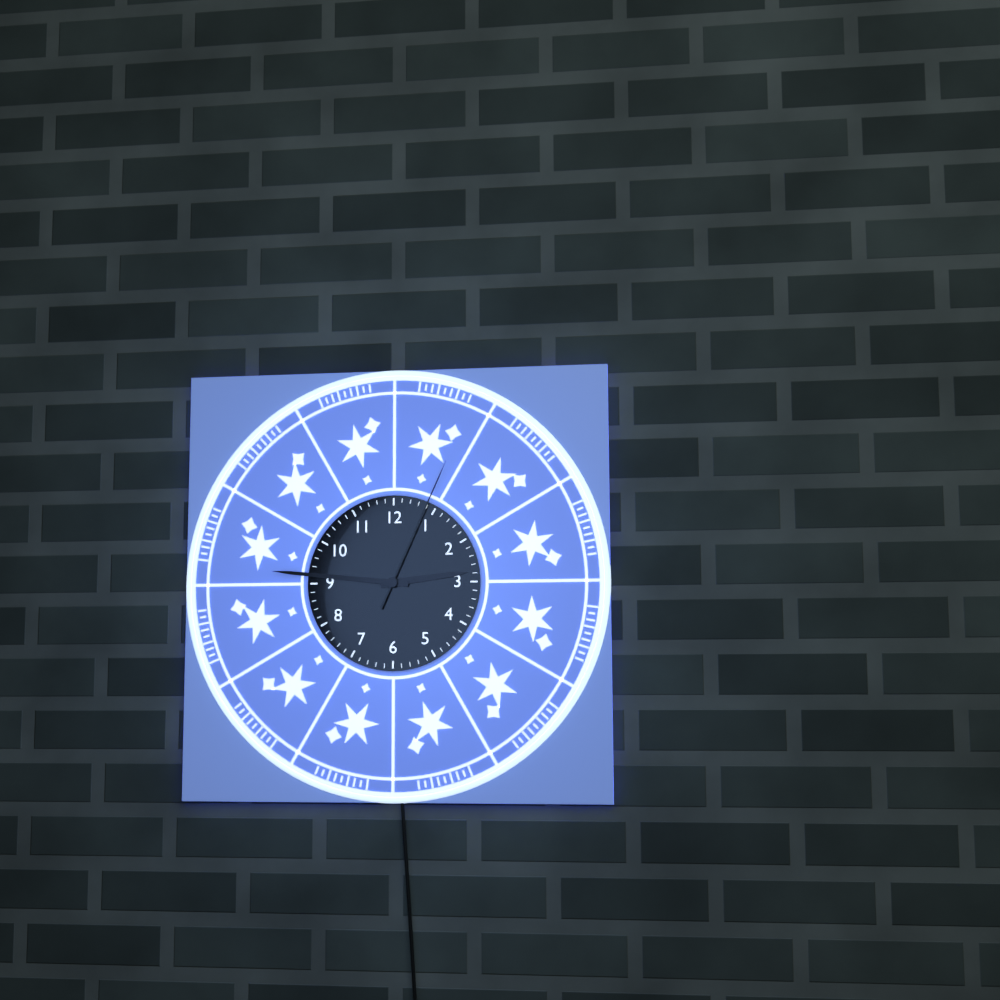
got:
2:46:04
